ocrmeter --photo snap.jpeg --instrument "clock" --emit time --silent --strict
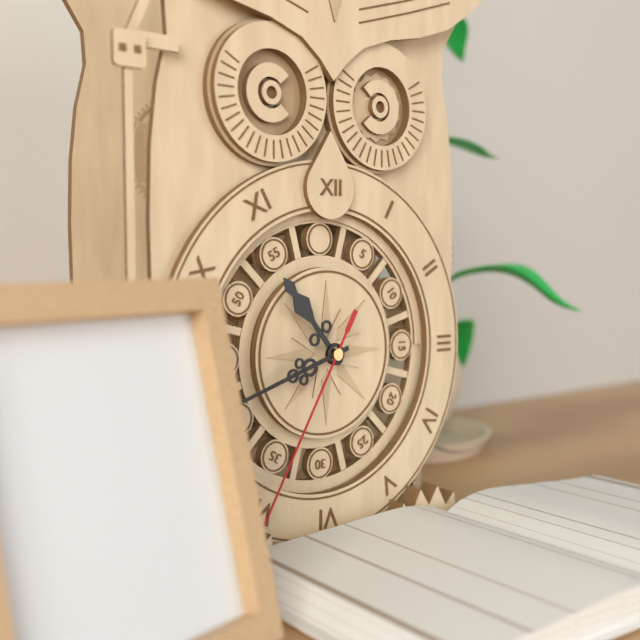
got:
10:42:35
